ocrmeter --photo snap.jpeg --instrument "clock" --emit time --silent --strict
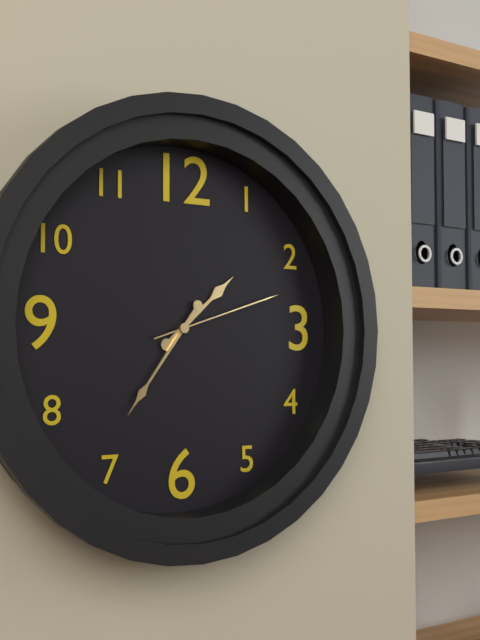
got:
1:36:12
